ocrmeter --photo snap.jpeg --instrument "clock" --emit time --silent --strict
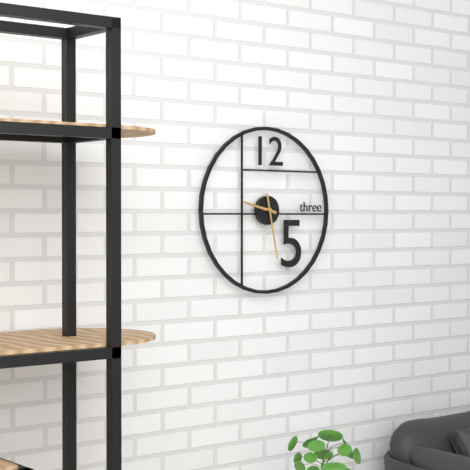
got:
9:28
